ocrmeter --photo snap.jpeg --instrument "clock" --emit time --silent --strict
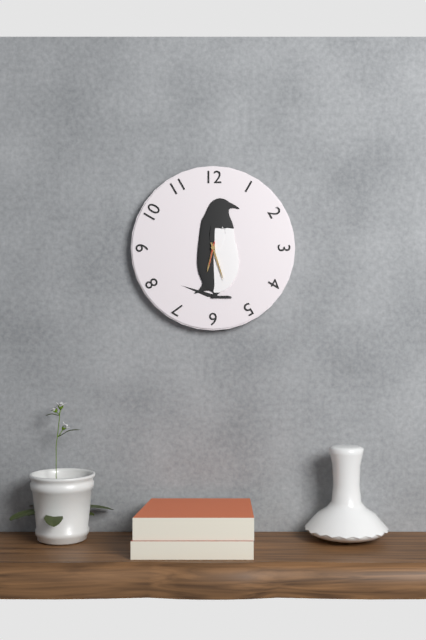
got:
6:27
